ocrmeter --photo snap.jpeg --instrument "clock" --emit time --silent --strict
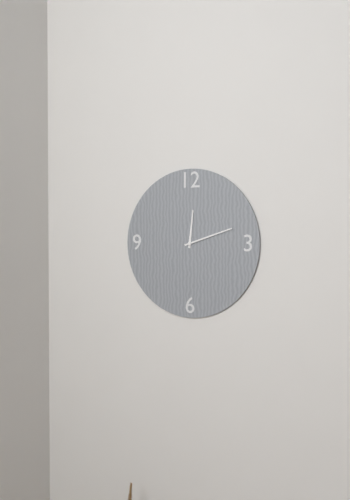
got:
12:12
